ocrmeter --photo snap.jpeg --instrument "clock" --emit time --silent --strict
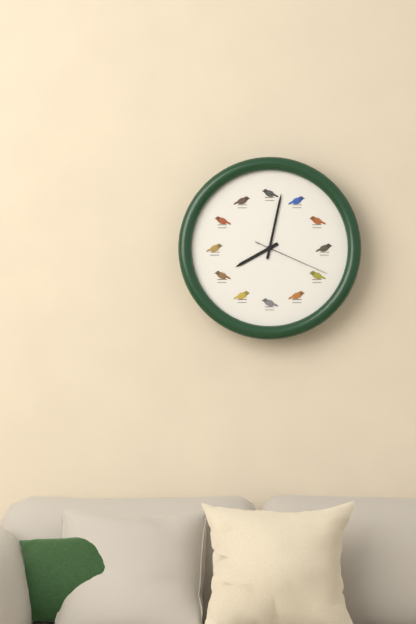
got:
8:02:19
